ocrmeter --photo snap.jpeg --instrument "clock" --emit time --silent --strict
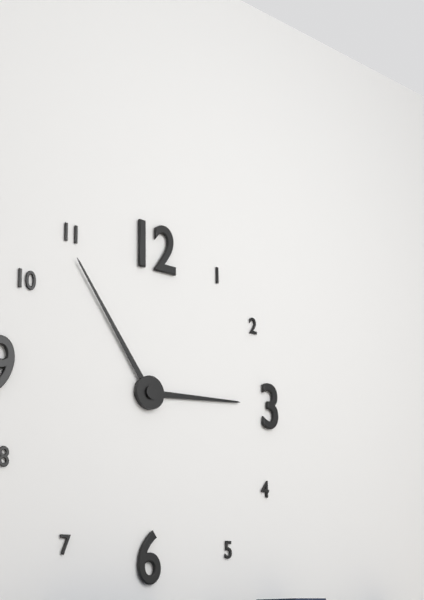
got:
2:54
